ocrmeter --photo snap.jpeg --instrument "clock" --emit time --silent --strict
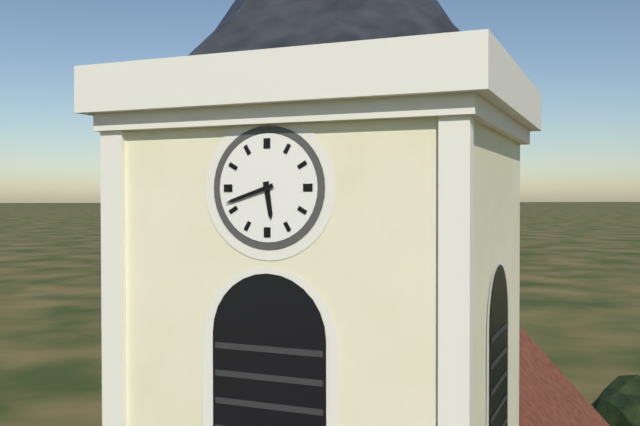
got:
5:42
